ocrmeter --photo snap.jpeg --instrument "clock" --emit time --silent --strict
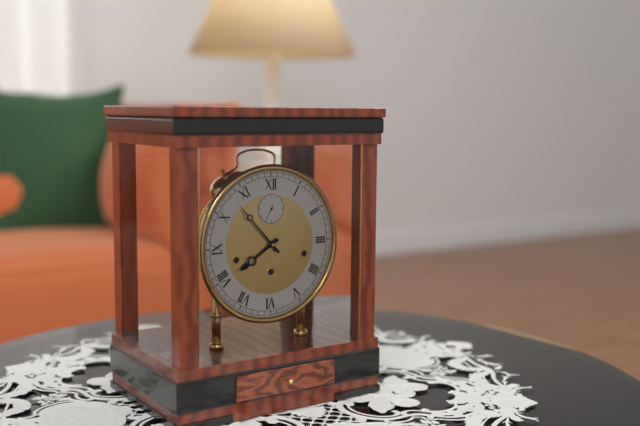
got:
7:53
